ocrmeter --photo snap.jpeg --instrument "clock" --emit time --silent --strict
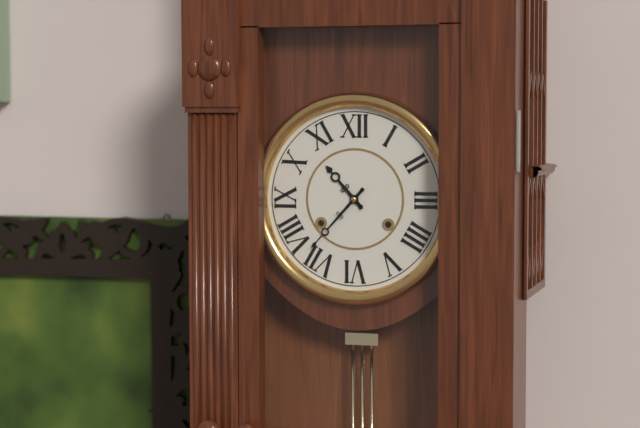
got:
10:37
